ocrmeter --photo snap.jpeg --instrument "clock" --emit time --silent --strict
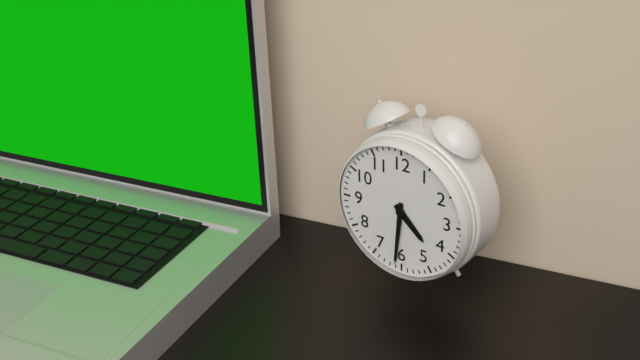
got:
4:31
